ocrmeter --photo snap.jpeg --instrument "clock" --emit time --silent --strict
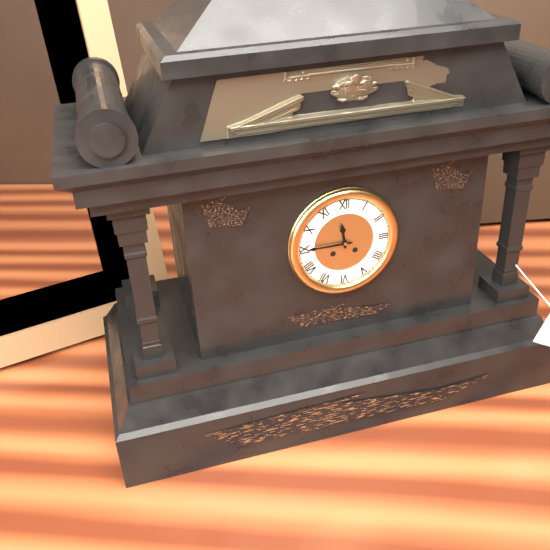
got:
11:45
